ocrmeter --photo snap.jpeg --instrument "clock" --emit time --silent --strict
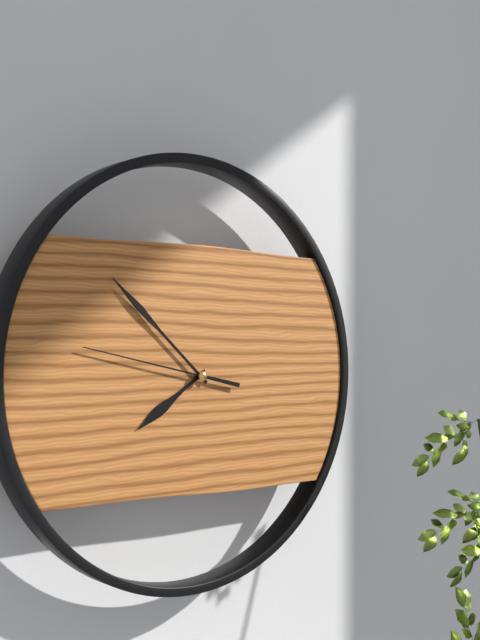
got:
7:52:47
